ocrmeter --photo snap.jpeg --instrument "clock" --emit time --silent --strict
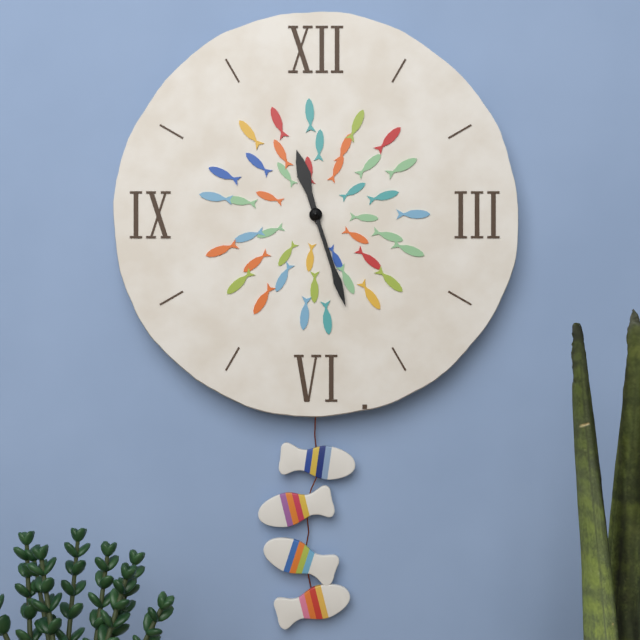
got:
11:27
